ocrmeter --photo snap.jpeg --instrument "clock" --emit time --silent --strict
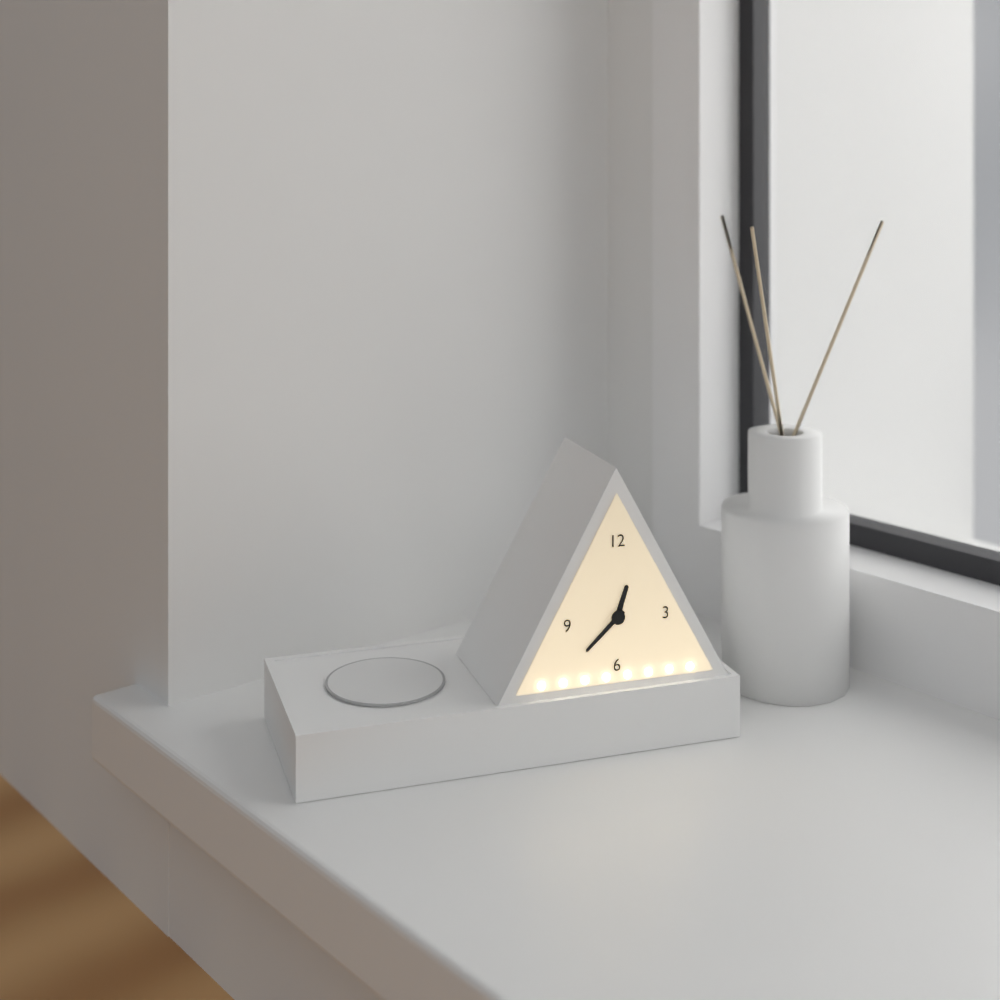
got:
12:38
